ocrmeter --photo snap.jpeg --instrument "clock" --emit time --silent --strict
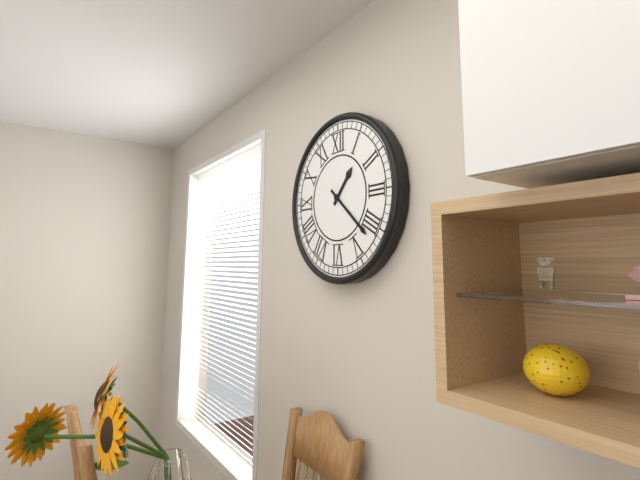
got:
1:22
